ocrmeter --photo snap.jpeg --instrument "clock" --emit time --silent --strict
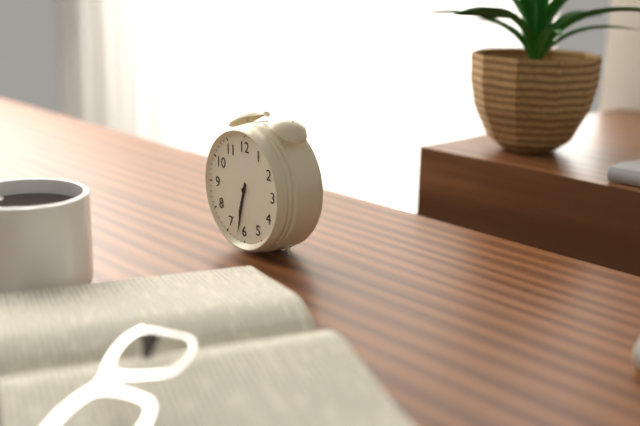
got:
6:32
